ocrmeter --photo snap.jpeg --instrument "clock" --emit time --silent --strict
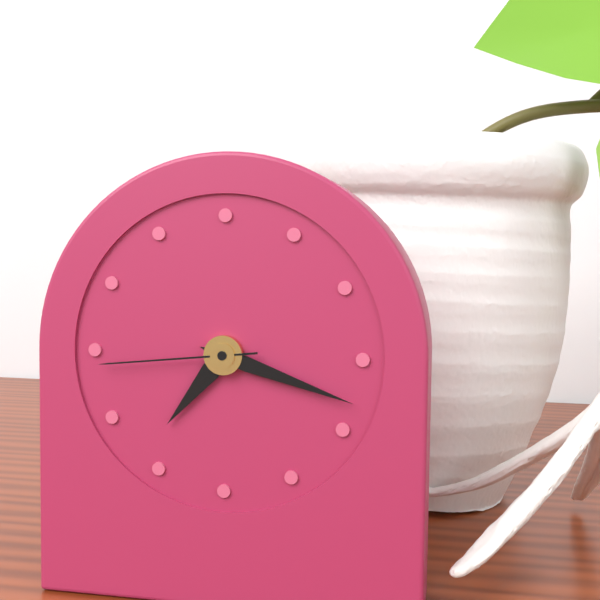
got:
7:18:44
